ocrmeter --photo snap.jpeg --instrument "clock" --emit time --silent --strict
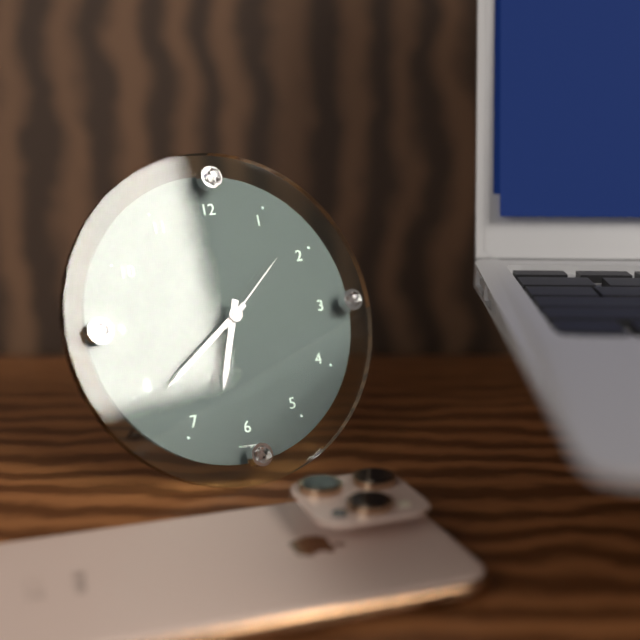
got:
6:39:08
